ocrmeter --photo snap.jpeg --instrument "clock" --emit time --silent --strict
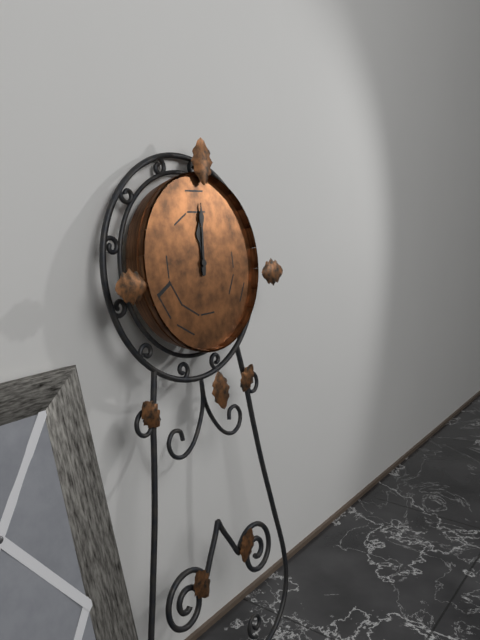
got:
12:01
